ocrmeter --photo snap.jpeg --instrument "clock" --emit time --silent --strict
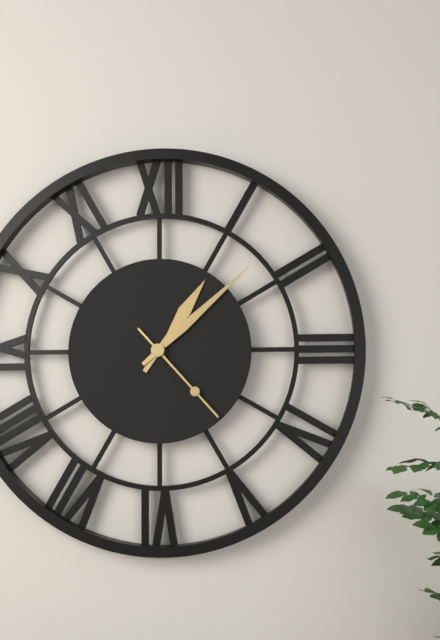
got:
1:08:23
